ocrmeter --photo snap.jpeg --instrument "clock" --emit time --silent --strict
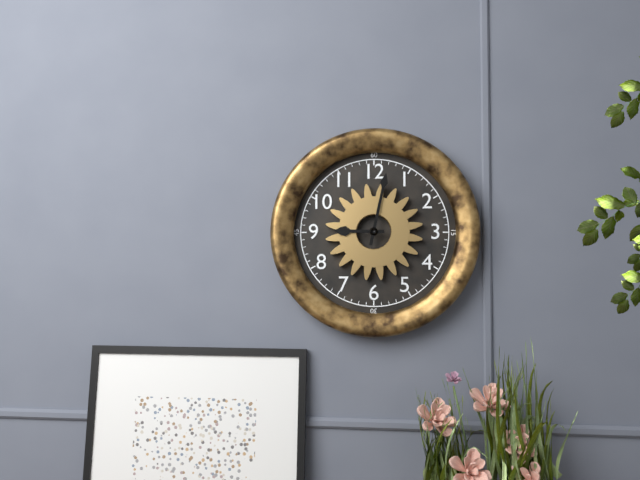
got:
9:02
